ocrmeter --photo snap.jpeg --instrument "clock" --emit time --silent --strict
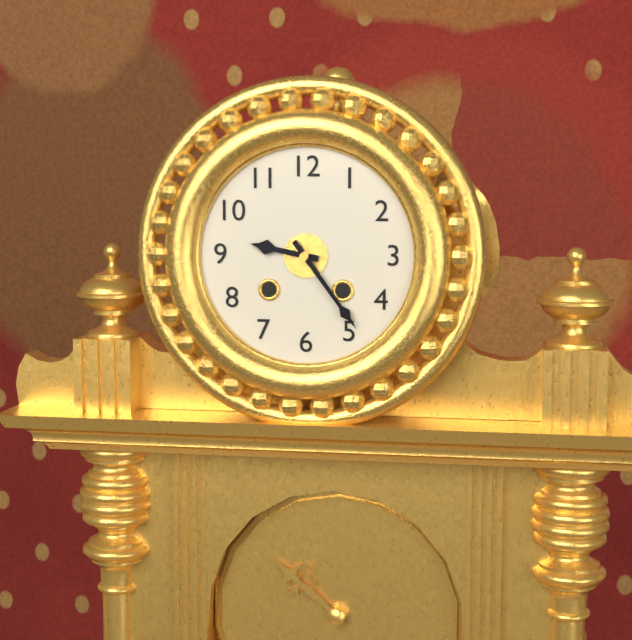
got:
9:24
